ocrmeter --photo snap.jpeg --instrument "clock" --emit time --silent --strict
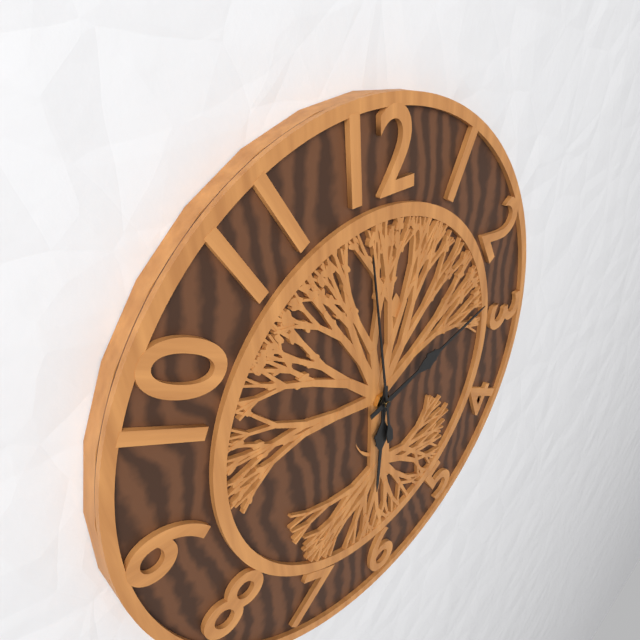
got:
6:13:59
